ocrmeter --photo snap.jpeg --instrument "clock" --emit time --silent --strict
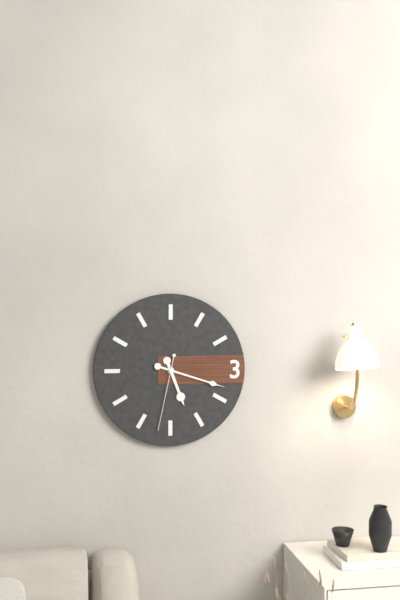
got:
5:18:32
